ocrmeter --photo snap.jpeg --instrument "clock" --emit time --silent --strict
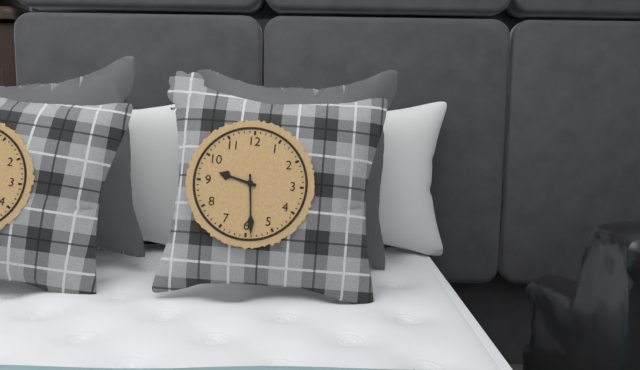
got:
9:29
